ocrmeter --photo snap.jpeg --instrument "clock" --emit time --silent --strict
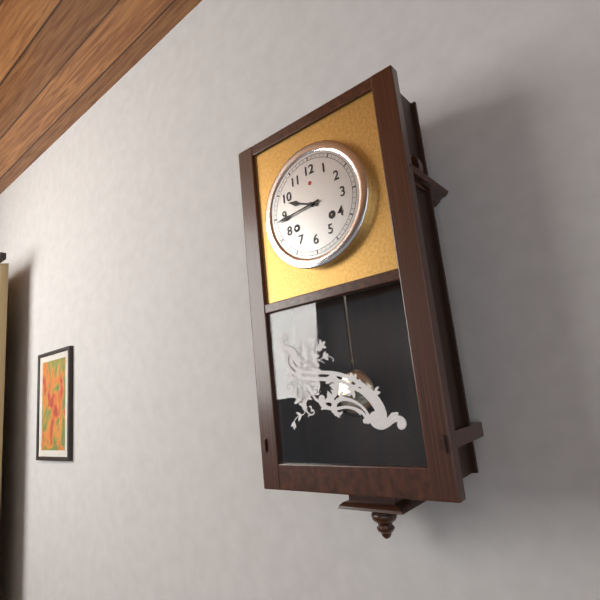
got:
9:44
